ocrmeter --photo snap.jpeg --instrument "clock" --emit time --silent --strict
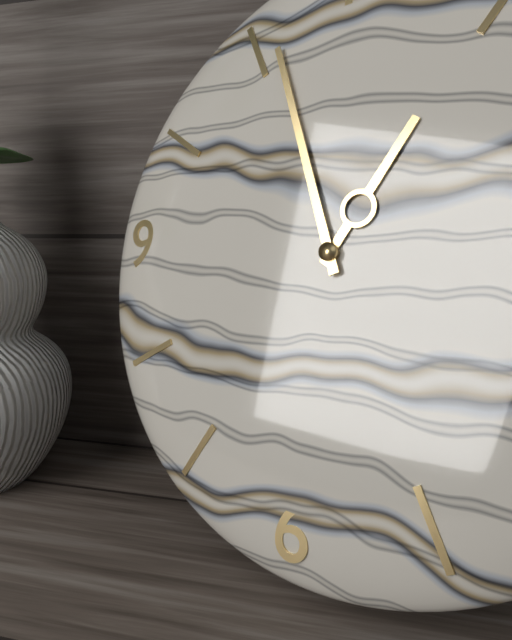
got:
12:56
